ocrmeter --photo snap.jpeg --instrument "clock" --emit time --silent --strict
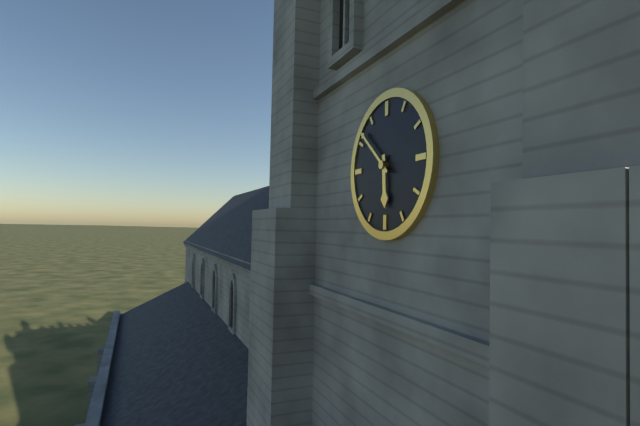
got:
5:52
